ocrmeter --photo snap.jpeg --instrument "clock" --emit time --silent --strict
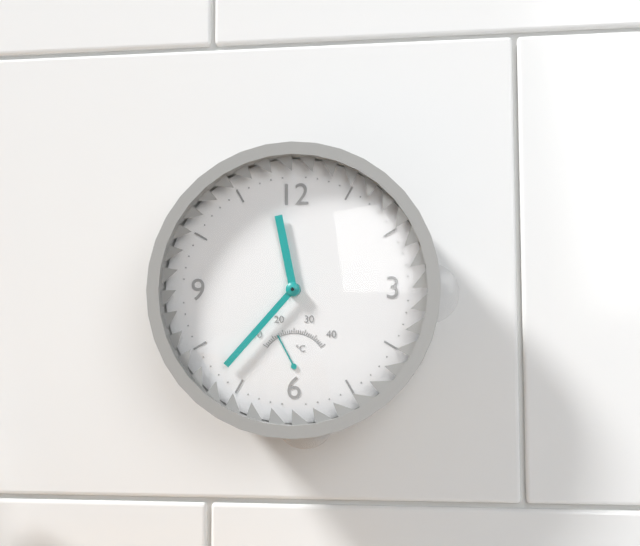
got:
11:37
